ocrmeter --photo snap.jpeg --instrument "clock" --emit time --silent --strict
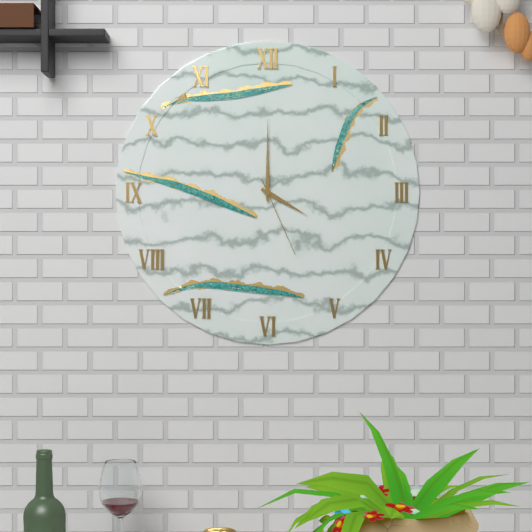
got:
4:00:26
